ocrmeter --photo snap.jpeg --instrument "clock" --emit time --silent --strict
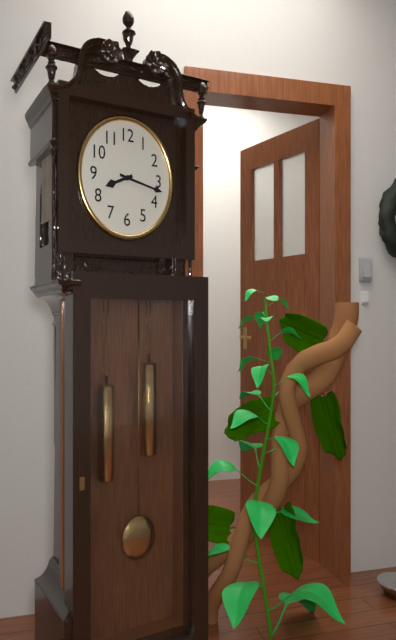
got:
8:17
